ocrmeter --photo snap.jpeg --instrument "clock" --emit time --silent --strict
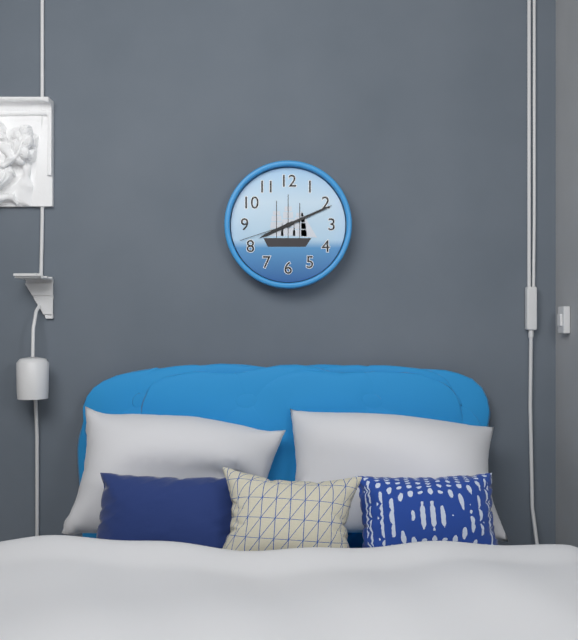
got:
8:11:42
